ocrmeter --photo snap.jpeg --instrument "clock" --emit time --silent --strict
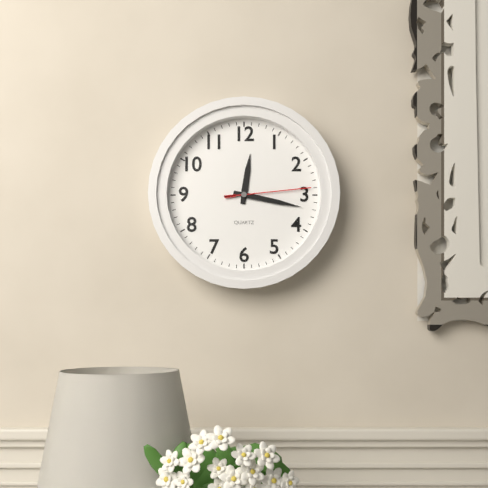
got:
12:17:14
